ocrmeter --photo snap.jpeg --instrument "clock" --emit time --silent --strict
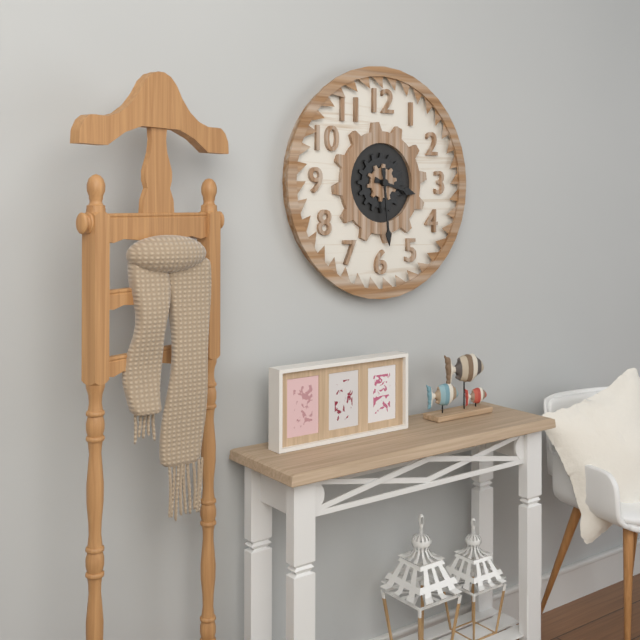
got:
3:29
